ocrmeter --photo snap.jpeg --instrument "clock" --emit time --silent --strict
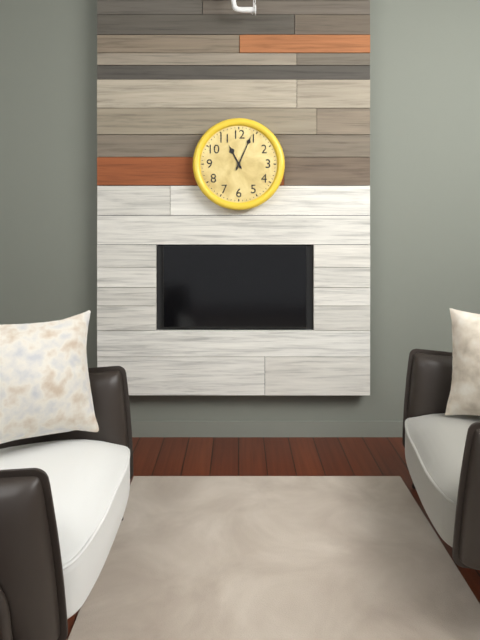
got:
11:04
